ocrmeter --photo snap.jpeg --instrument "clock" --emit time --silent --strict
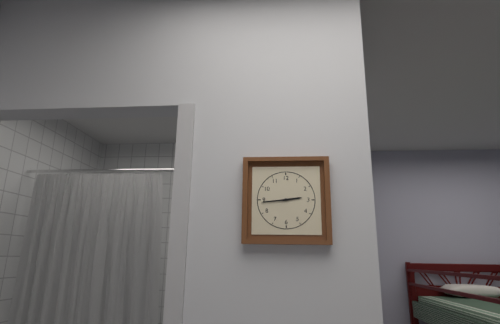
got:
2:44
